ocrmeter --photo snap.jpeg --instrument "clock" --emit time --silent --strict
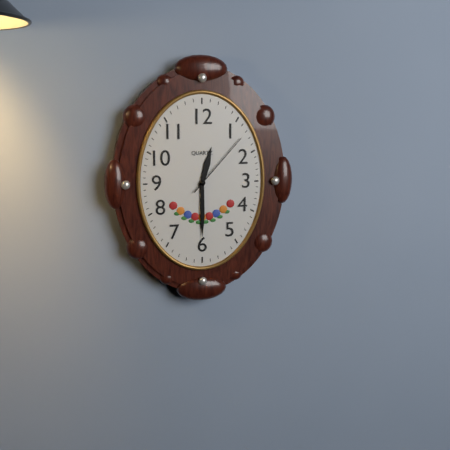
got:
12:30:07
